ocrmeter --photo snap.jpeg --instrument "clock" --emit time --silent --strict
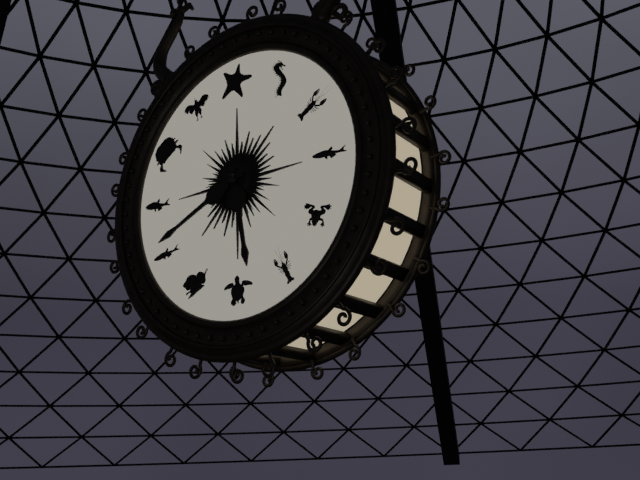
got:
5:41
